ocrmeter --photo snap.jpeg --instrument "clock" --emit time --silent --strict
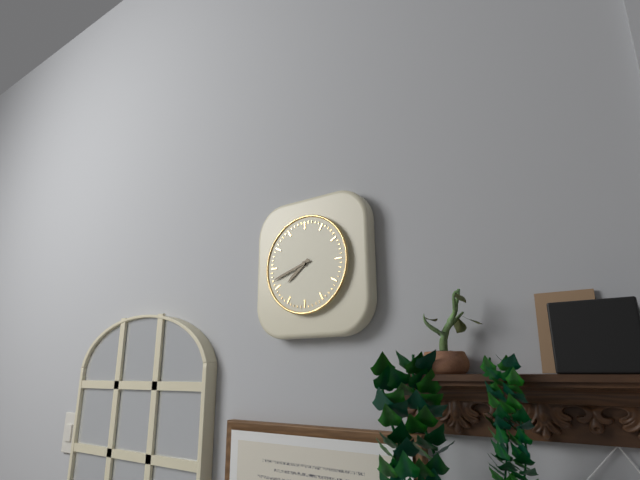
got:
7:42
